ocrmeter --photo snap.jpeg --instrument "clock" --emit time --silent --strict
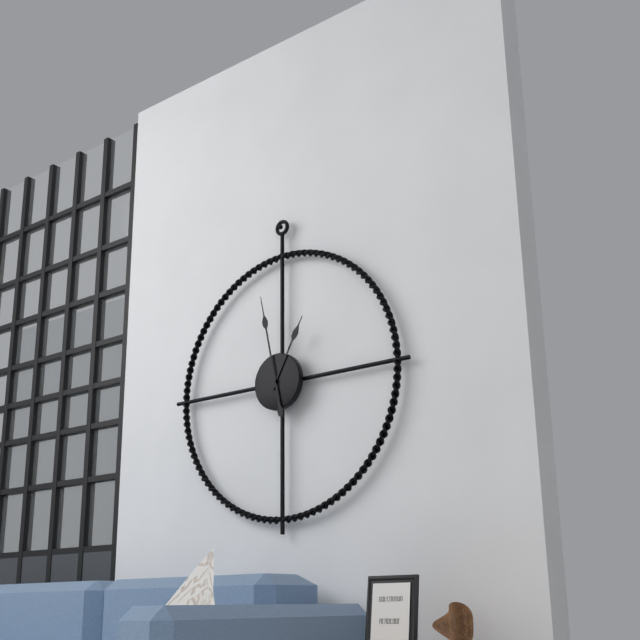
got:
12:58
